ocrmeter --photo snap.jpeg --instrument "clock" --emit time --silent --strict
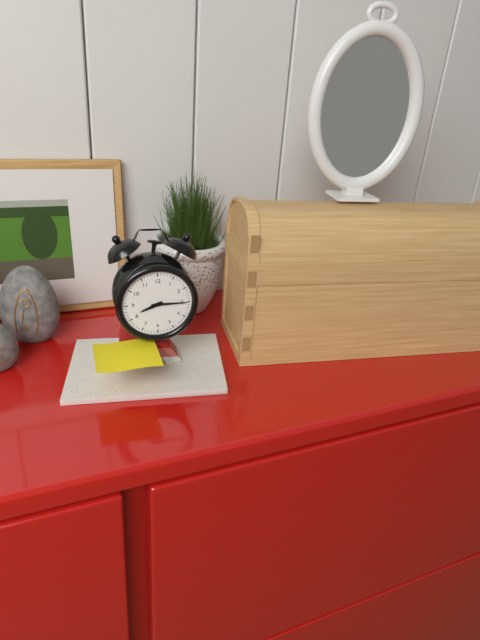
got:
8:15
